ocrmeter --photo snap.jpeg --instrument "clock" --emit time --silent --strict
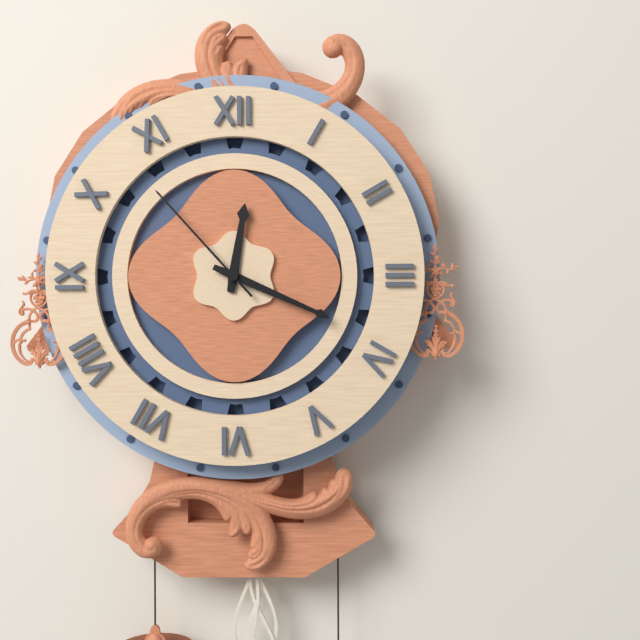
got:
12:19:53
